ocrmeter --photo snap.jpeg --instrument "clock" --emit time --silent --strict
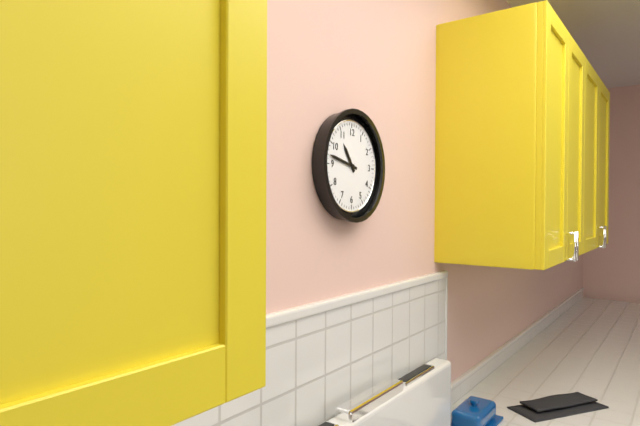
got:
10:47
